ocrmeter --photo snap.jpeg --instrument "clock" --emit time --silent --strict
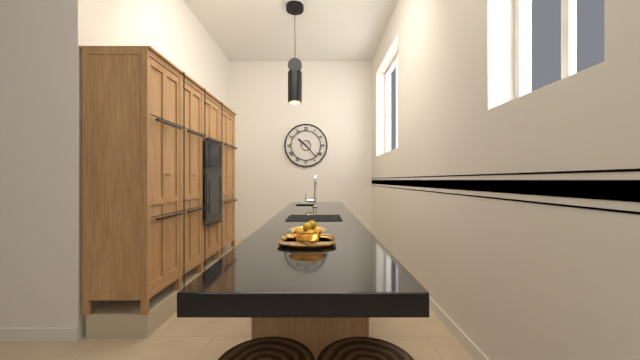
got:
10:23
